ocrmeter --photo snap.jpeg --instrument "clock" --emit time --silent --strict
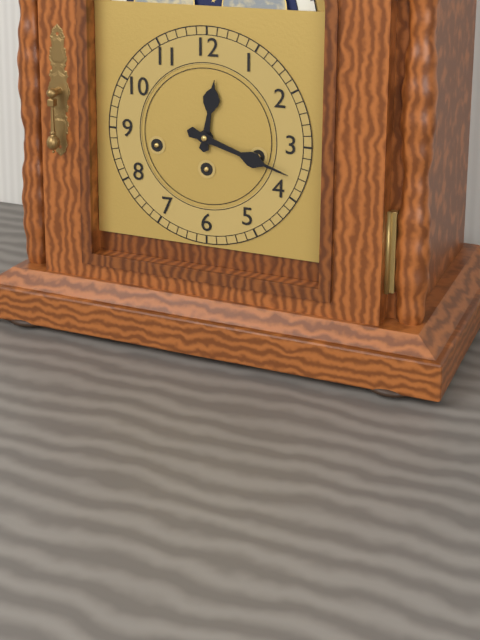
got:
12:18
